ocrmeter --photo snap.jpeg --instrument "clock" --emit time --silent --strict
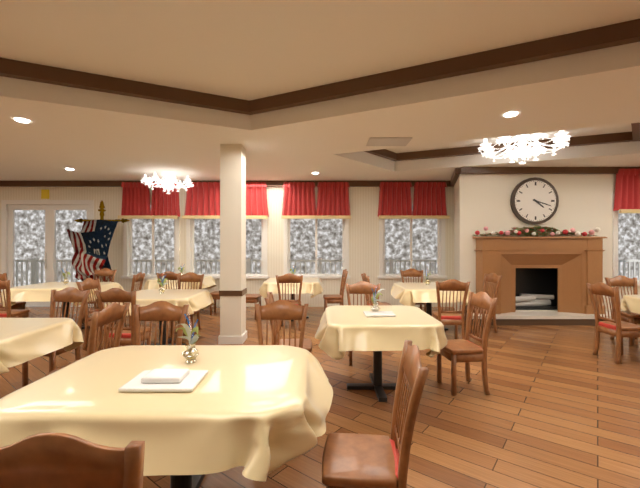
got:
4:18
